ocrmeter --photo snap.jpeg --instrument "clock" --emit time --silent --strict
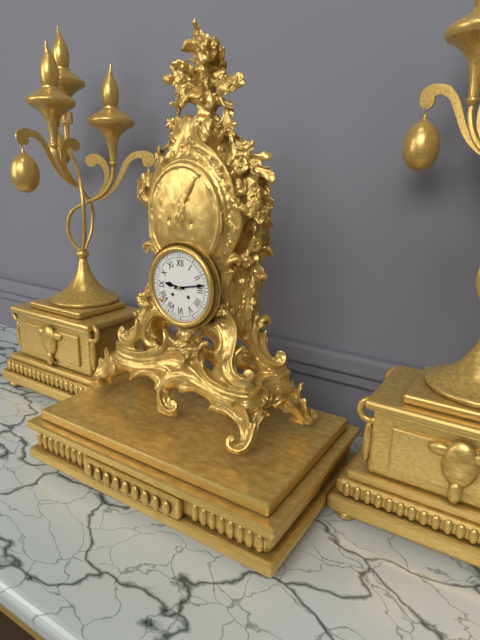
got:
9:13
